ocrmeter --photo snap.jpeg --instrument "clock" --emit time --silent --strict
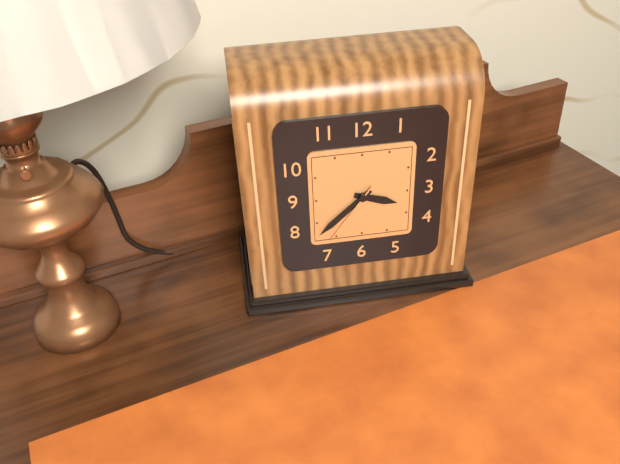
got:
3:38:36
